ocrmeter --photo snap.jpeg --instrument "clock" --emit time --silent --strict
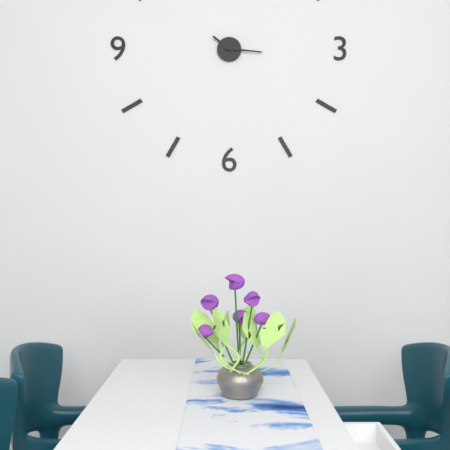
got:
10:16
